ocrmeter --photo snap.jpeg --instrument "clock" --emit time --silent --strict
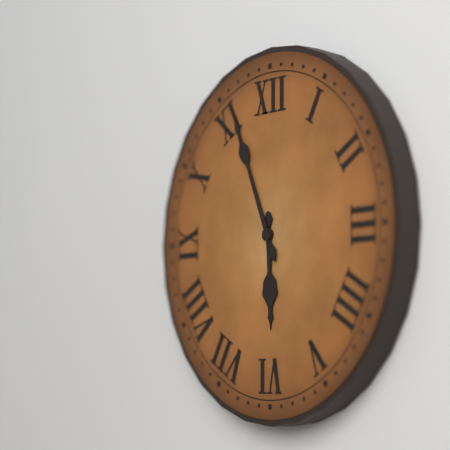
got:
5:56
